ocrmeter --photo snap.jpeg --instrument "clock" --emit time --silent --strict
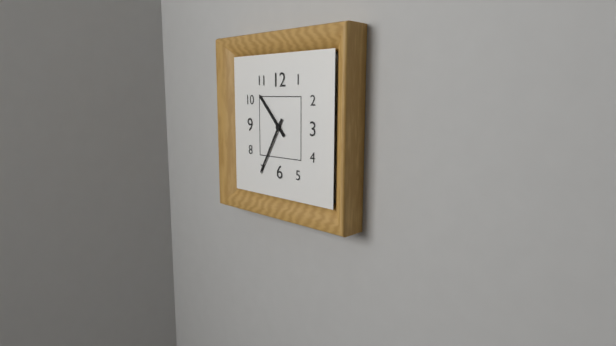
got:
10:35
